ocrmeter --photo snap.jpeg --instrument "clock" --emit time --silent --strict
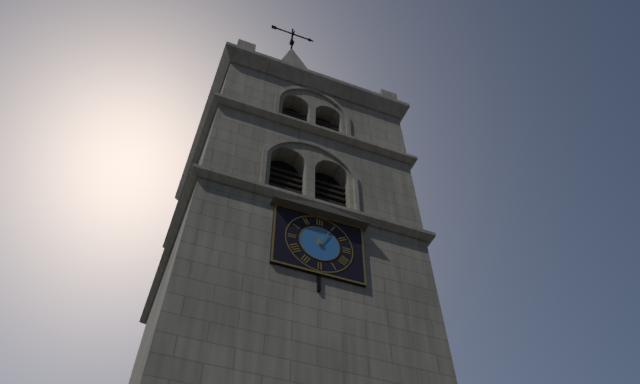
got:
11:05
